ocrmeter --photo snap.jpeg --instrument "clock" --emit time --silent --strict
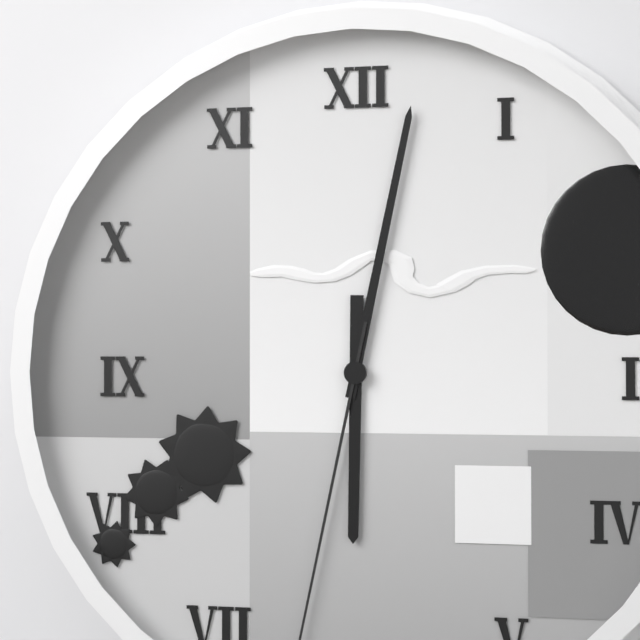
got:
6:02
